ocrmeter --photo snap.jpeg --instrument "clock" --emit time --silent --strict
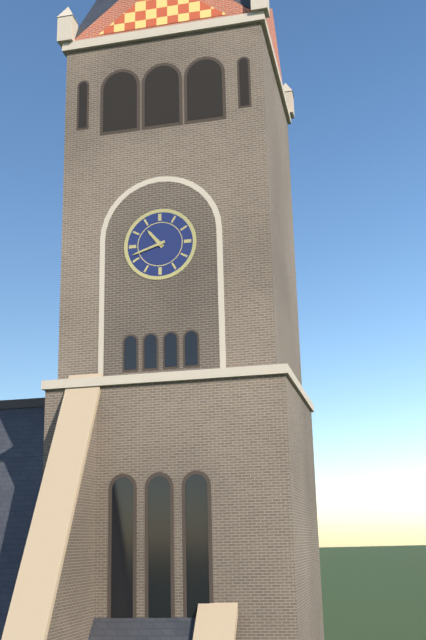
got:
10:42
